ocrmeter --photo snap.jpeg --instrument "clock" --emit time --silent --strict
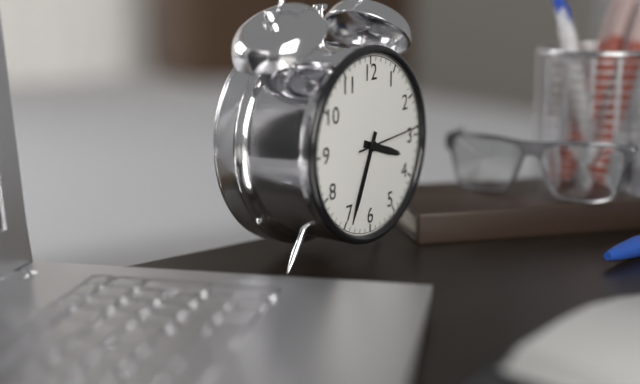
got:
3:34:14
